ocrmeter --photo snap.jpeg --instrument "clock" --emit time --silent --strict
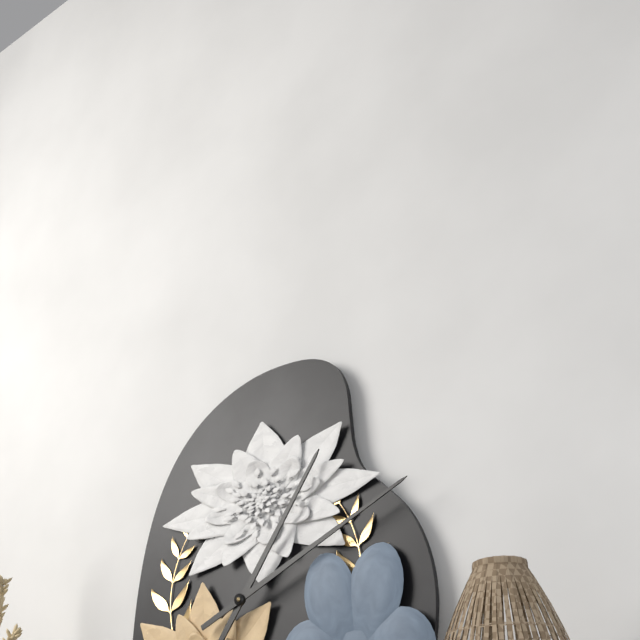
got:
1:11
